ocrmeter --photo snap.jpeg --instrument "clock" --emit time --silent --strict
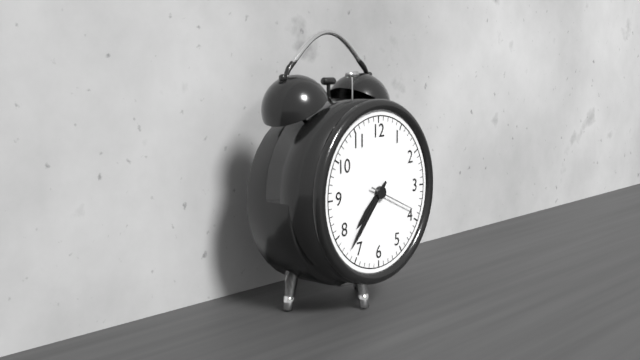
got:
7:37
